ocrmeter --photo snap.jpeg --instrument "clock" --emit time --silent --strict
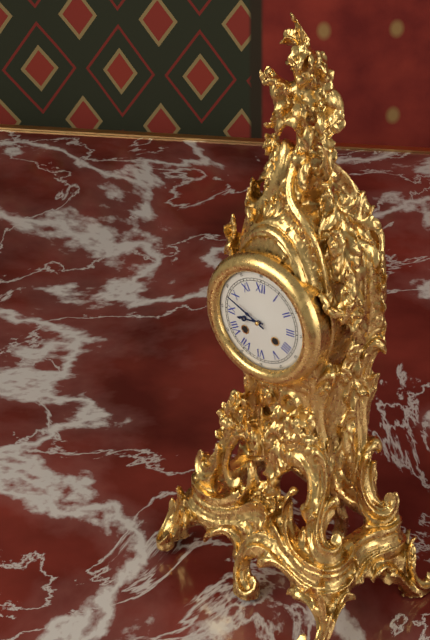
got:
8:49
